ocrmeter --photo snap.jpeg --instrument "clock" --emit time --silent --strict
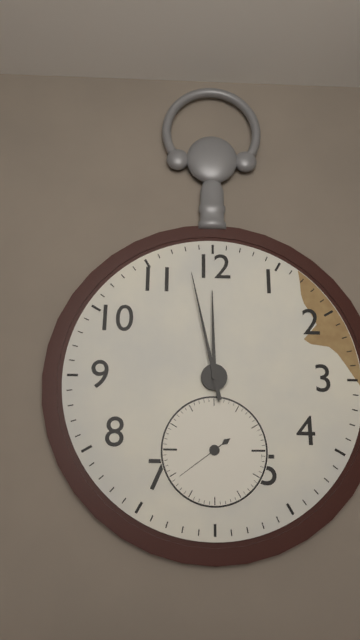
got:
11:58:39
